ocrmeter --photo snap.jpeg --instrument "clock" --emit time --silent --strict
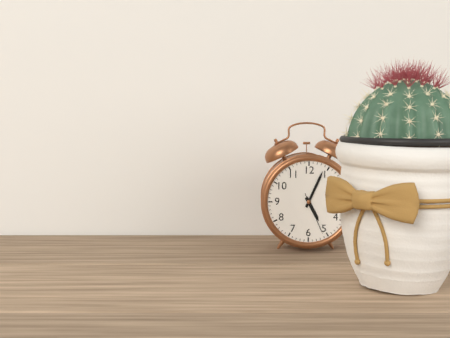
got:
5:04
